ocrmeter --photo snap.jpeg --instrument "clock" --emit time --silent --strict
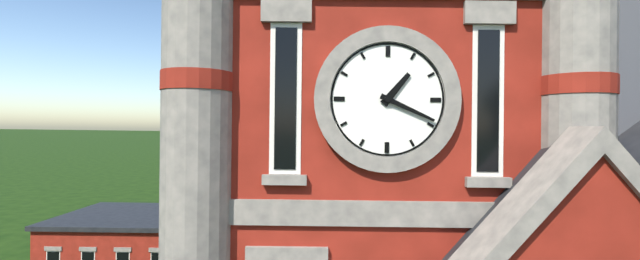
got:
1:19
